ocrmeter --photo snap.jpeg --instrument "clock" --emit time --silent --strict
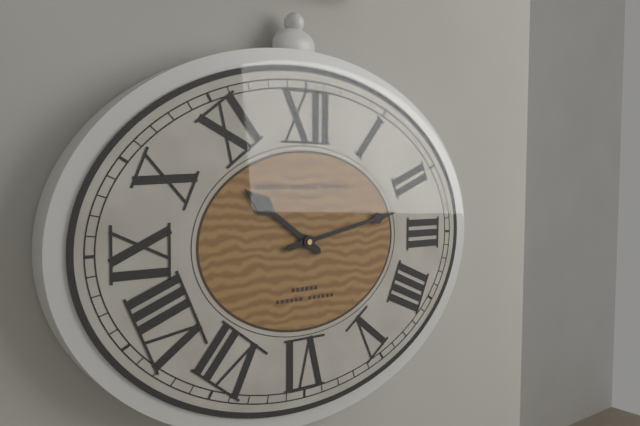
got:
10:13
